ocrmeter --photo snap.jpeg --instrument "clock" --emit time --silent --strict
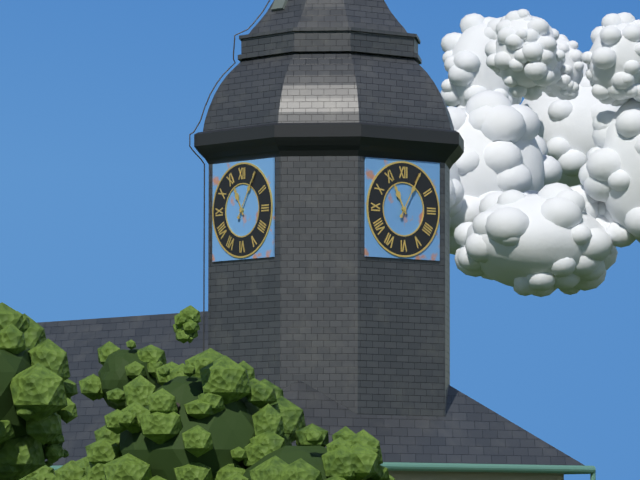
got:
11:05
